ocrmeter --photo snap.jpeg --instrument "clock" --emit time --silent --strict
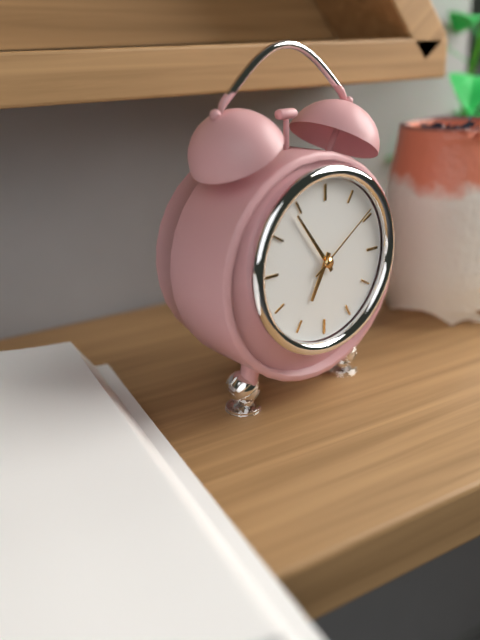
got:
6:54:09
